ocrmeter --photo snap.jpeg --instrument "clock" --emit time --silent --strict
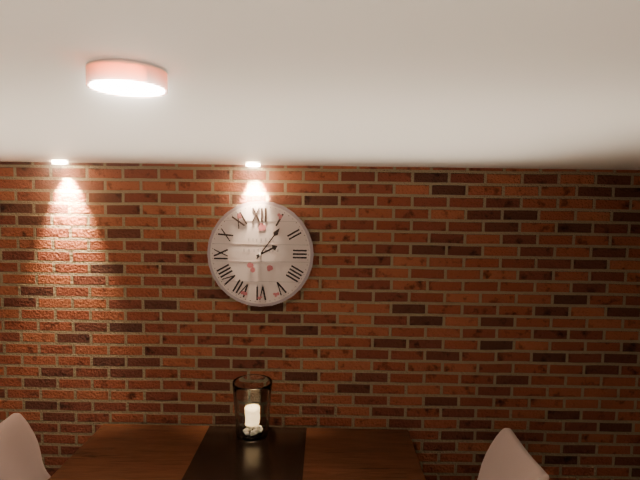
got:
2:06
